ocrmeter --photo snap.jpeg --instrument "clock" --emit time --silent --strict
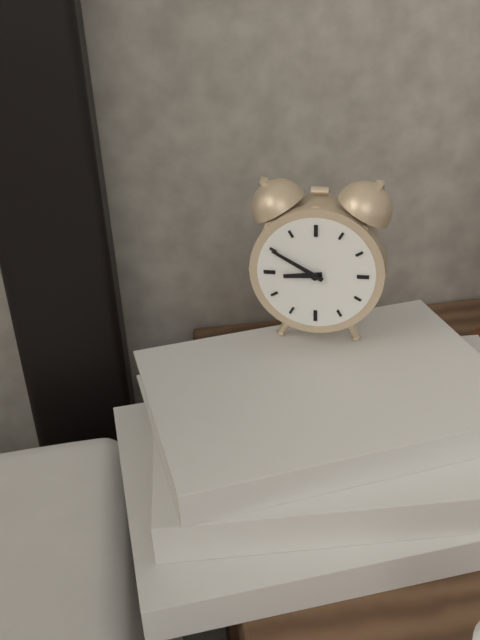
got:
8:50
